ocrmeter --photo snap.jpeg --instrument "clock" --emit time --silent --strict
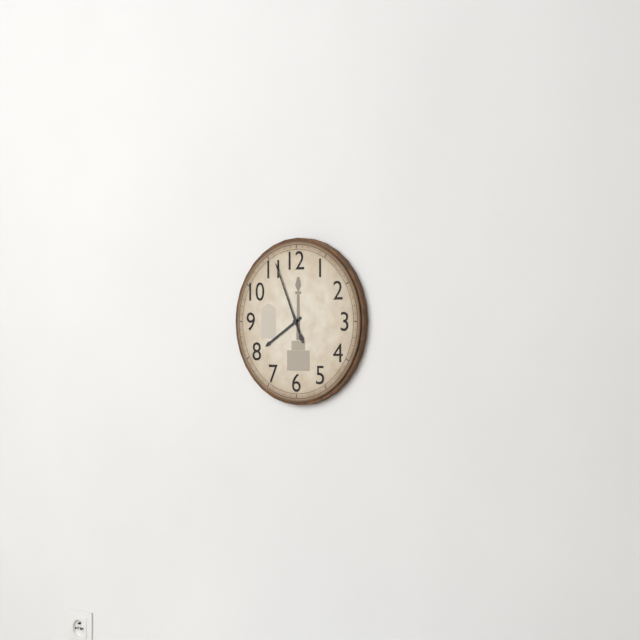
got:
7:56
